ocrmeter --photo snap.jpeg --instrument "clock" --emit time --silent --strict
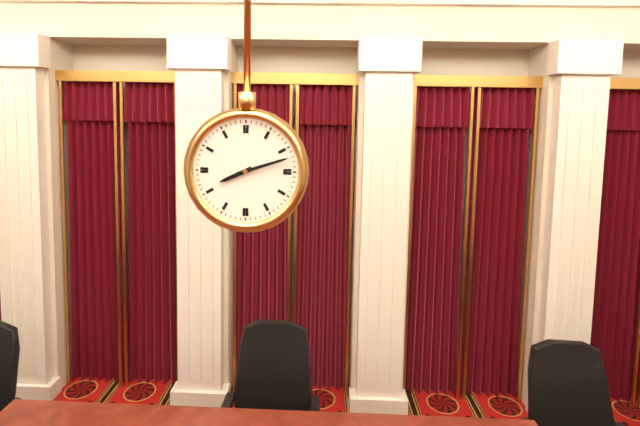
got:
8:12
